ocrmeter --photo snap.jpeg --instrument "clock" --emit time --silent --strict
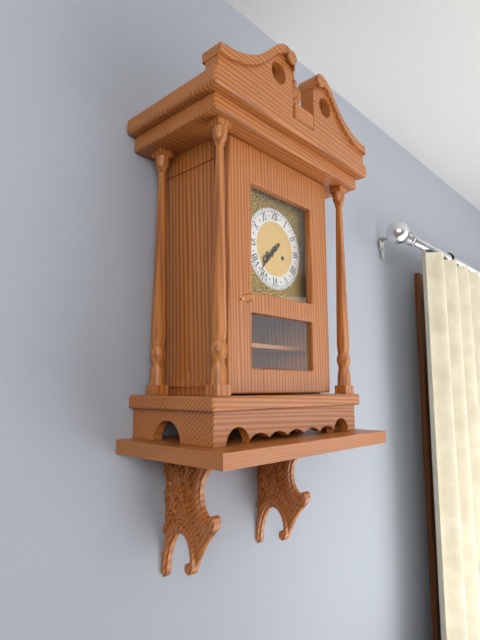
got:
7:37
